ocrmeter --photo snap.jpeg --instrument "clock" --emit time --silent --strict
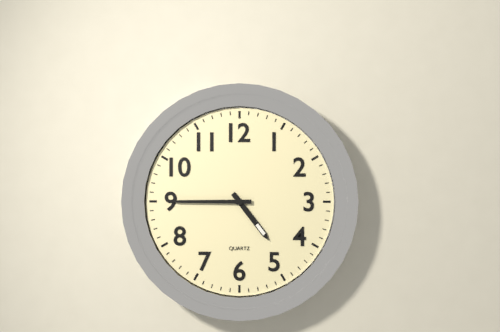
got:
4:45
